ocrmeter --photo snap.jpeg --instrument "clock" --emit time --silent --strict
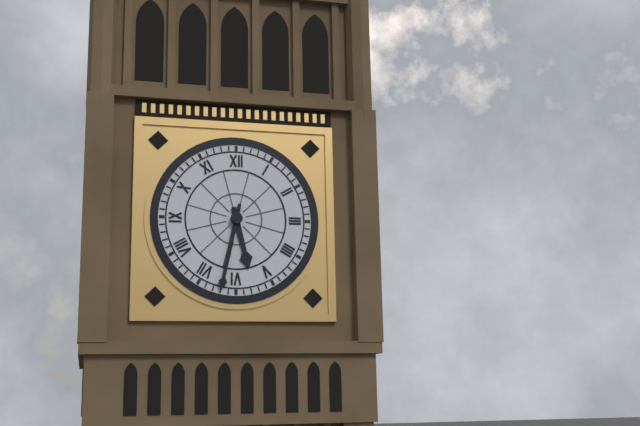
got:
5:32
